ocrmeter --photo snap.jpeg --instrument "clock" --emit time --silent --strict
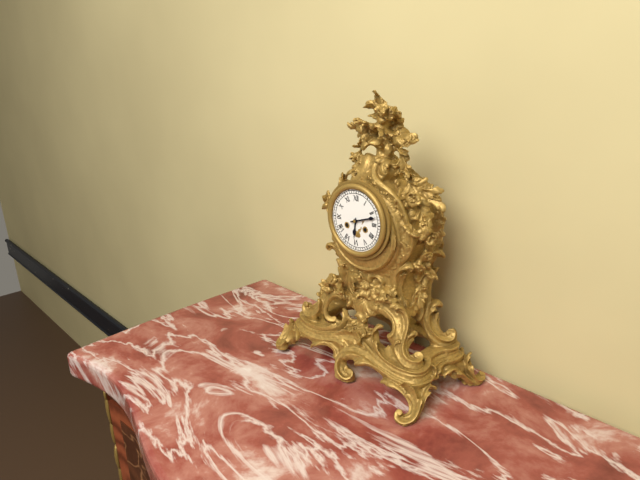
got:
6:12
